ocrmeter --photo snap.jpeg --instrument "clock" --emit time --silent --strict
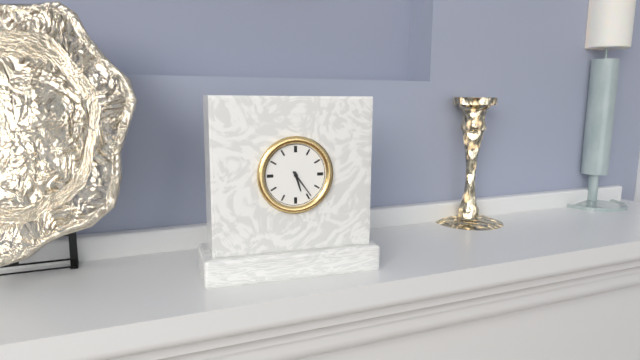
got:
5:24
